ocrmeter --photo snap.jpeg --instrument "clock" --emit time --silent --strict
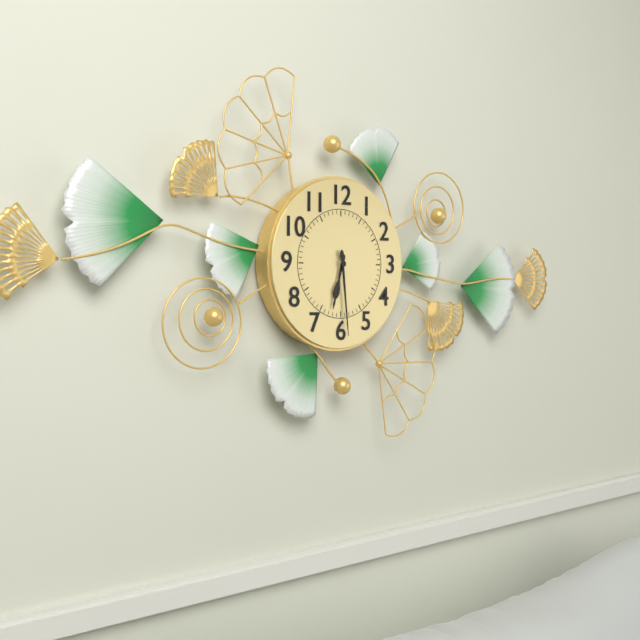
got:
6:29
